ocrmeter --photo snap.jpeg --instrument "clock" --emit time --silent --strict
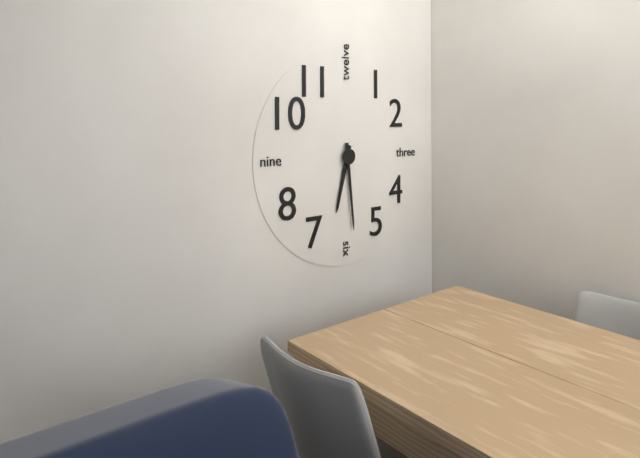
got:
6:29
